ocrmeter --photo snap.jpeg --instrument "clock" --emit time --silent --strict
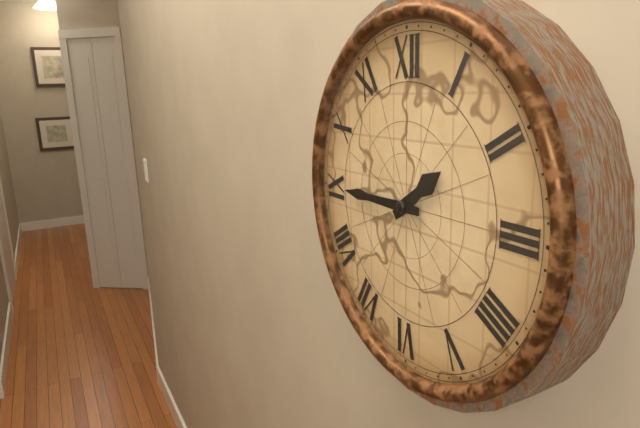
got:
1:45
